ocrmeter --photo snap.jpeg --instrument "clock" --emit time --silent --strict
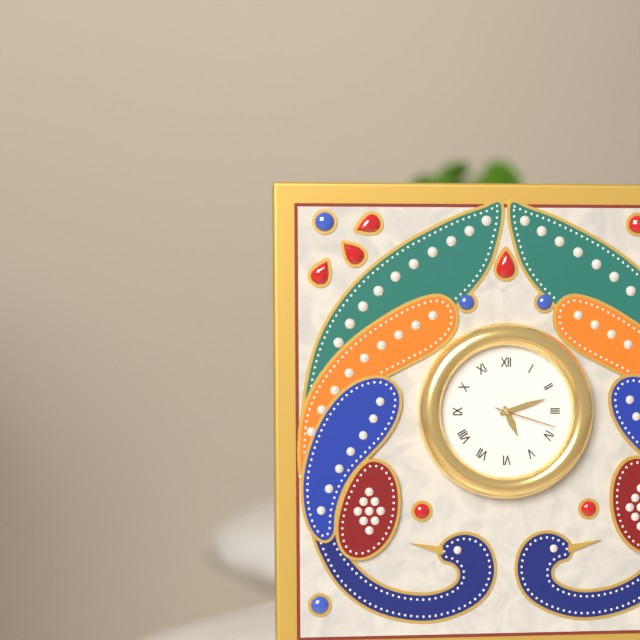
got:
5:12:18
